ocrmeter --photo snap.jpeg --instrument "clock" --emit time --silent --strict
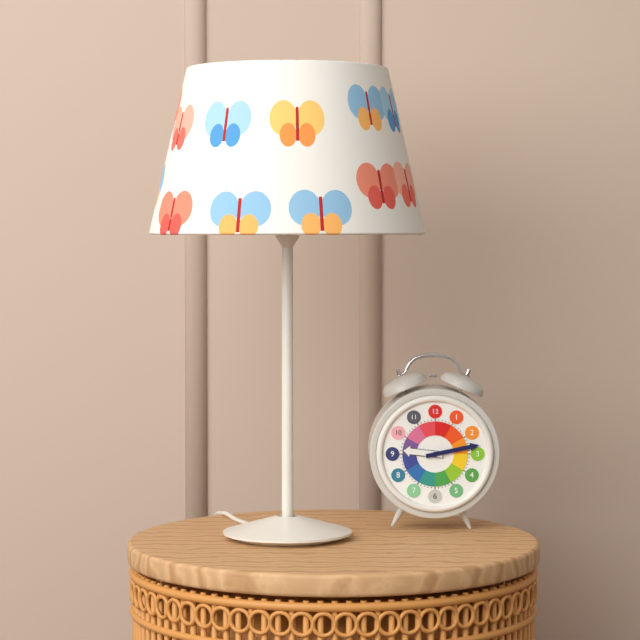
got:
9:13
